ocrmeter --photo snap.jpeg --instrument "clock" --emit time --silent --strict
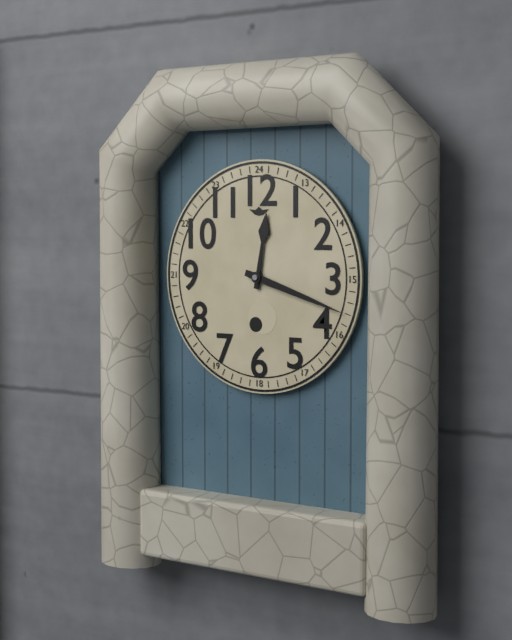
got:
12:18
